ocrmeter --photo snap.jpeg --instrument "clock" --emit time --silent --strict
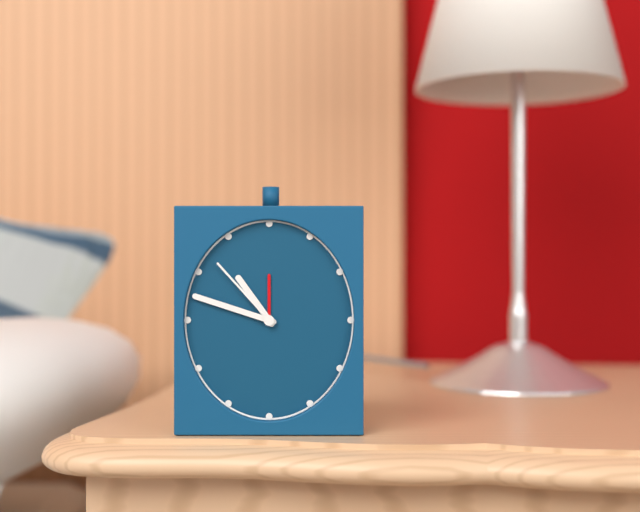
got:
10:48:53
